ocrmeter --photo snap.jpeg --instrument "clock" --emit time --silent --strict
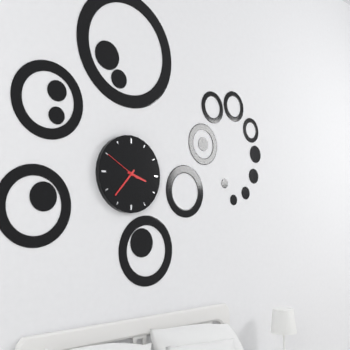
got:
3:37
